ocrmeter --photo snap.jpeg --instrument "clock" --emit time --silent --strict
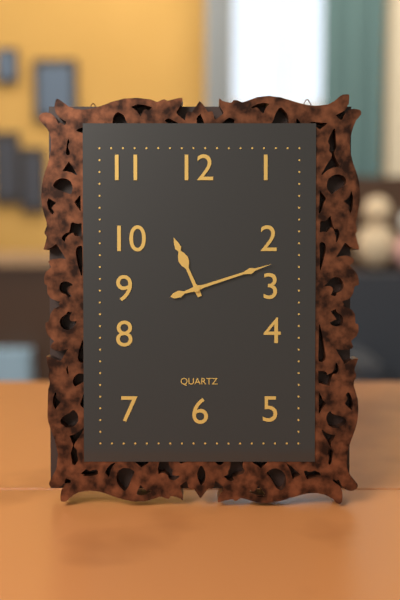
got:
11:12
